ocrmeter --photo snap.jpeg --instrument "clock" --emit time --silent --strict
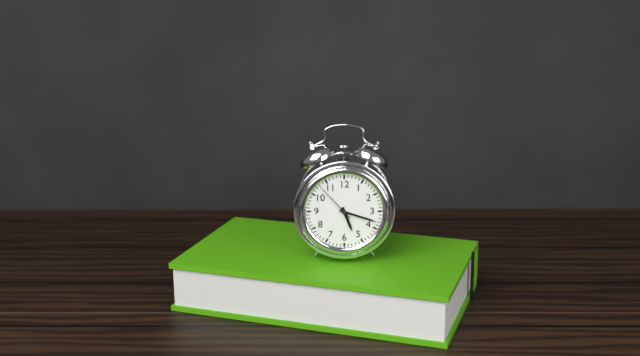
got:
5:18
